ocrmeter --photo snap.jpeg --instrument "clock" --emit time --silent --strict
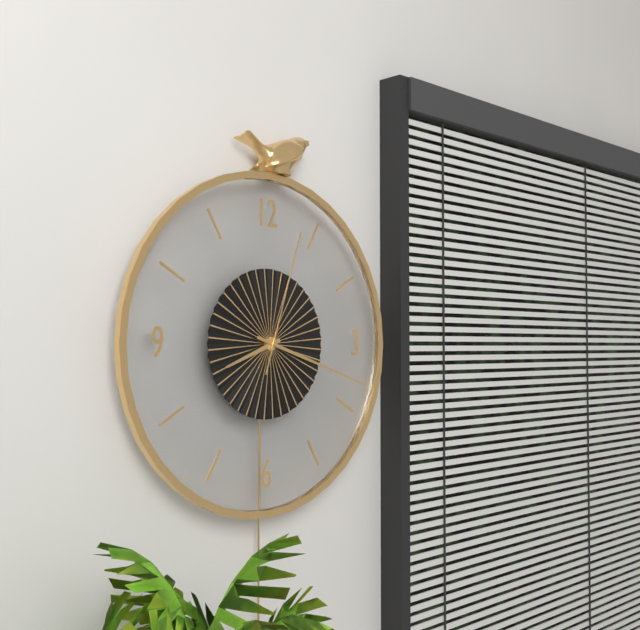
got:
8:18:03
